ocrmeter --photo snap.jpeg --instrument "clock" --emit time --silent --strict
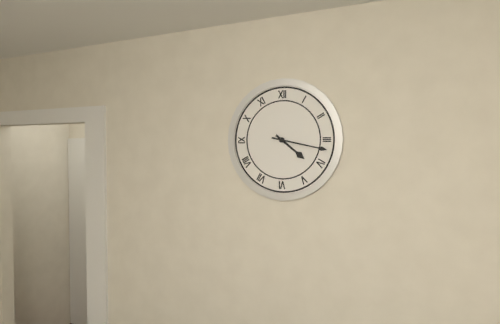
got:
4:17
